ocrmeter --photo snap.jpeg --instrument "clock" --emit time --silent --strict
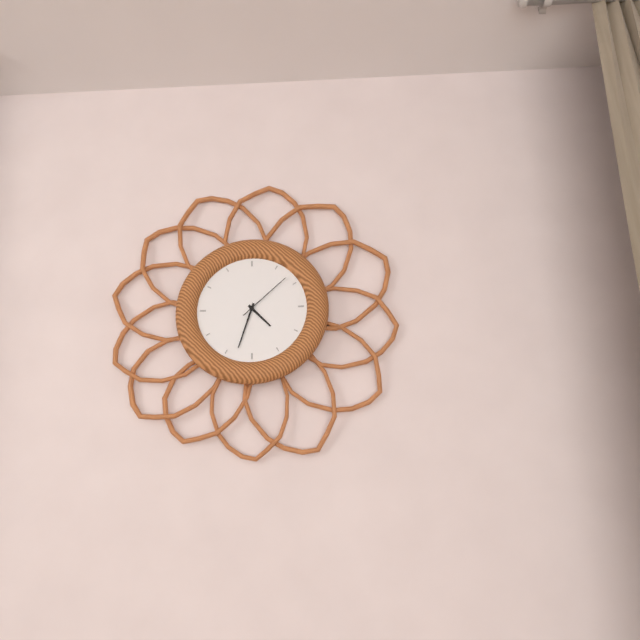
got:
4:33:08
